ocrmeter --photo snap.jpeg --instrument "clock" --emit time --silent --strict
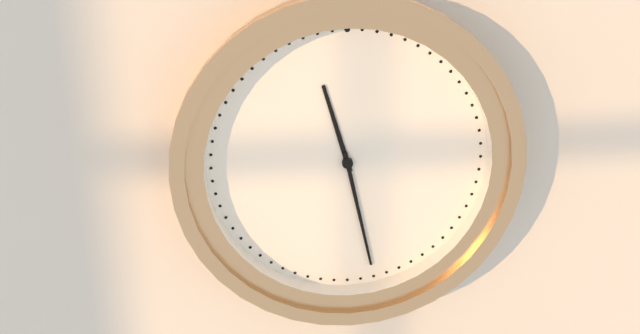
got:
11:28
